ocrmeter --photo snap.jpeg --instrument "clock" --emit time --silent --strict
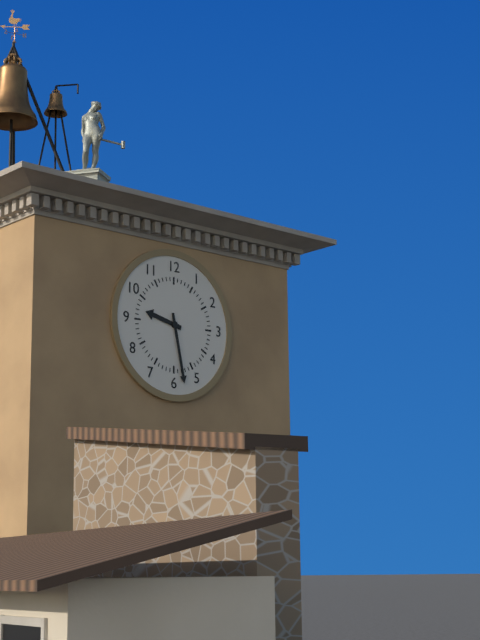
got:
9:28
